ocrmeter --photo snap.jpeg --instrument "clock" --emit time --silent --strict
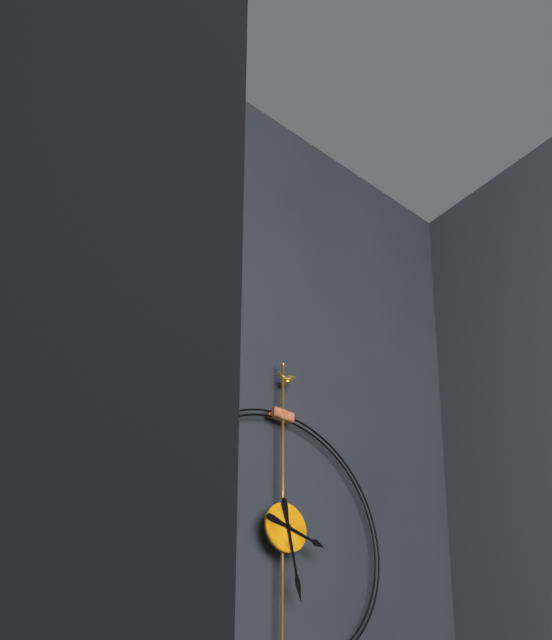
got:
3:28
